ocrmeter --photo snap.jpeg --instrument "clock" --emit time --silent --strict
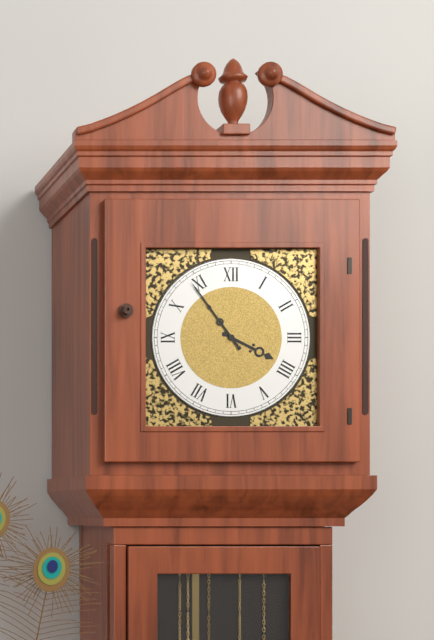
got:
3:54
